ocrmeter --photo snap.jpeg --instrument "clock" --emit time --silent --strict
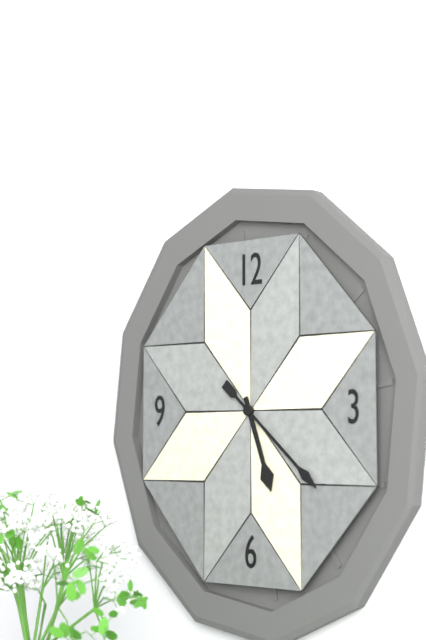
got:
5:22
